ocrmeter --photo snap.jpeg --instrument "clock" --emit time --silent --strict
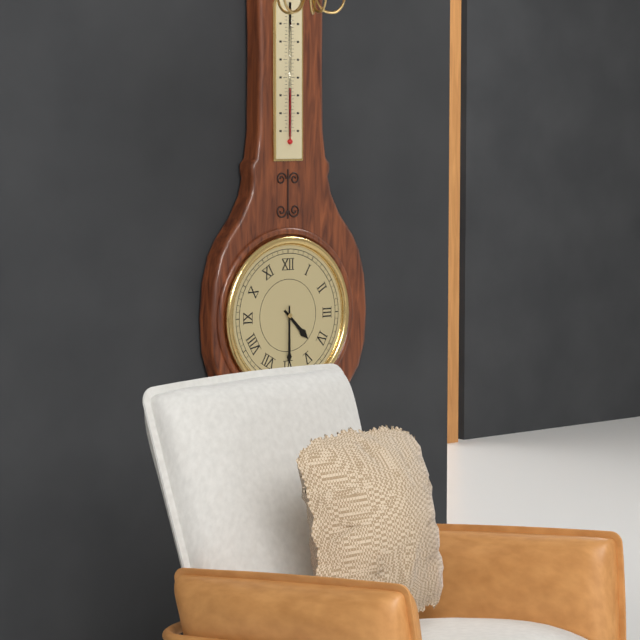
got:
4:30
